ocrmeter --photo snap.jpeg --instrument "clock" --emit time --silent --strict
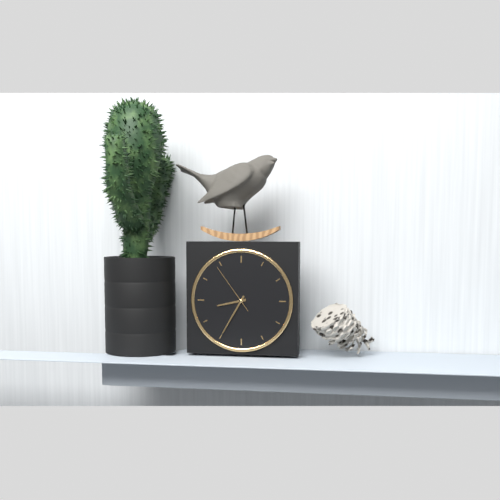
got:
8:35:54
